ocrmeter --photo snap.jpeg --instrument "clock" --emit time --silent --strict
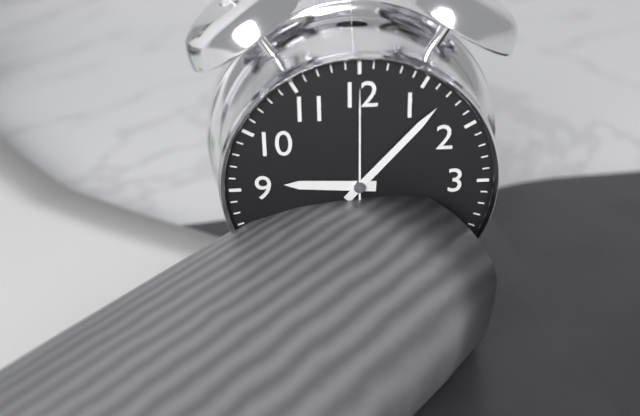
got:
9:07:00
